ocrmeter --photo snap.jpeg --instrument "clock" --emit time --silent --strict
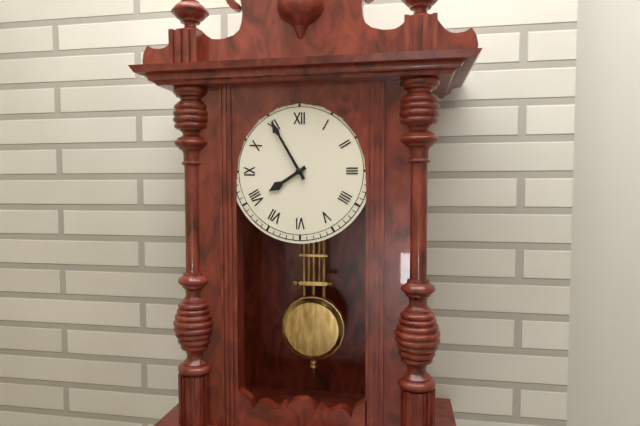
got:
7:55
